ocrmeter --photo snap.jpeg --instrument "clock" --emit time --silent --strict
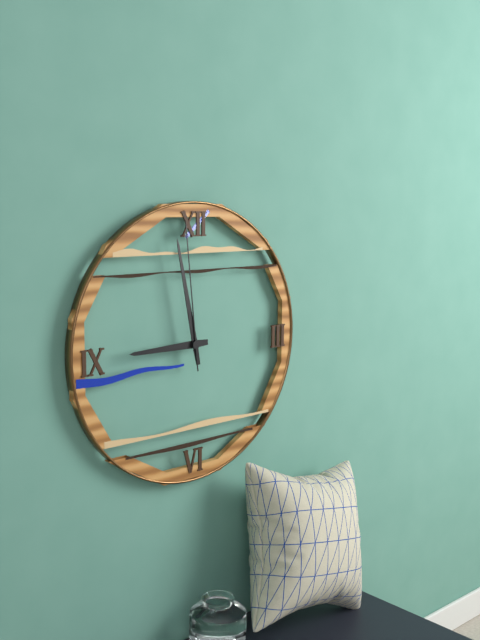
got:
8:58:59
